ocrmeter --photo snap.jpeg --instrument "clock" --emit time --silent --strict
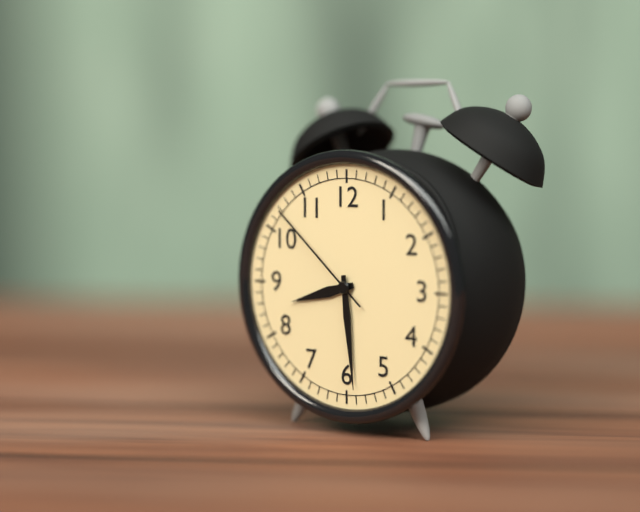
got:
8:29:52
